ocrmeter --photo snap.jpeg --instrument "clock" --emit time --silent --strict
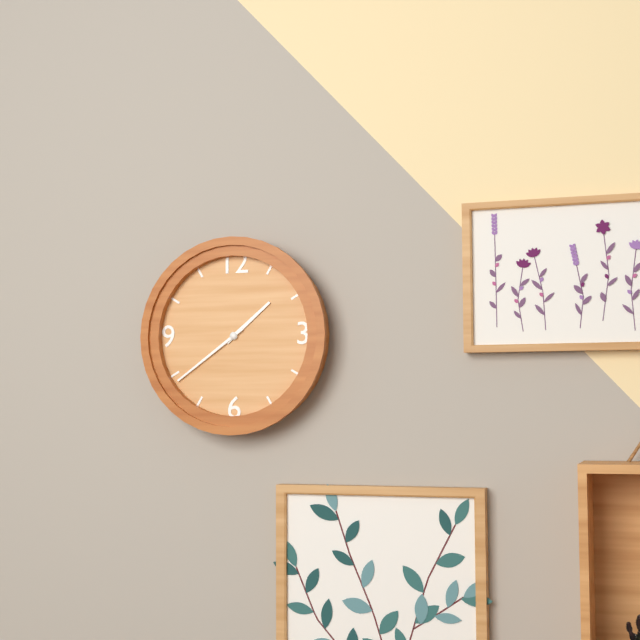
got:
1:39
